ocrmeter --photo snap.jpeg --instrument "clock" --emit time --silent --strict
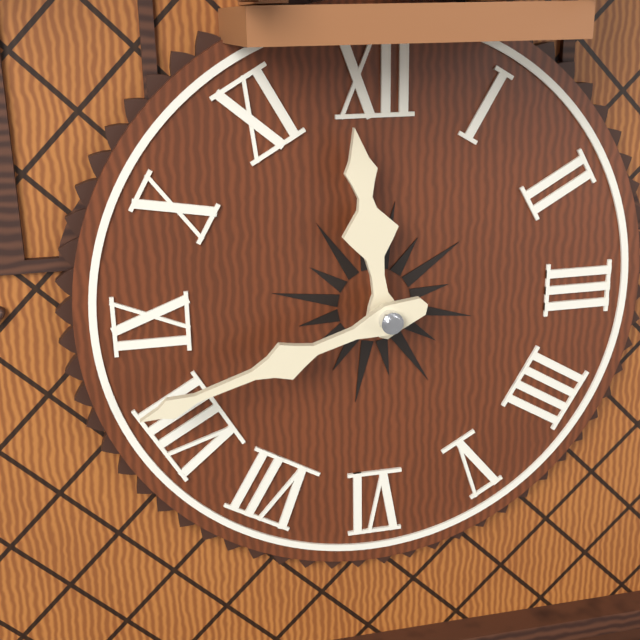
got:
11:42
